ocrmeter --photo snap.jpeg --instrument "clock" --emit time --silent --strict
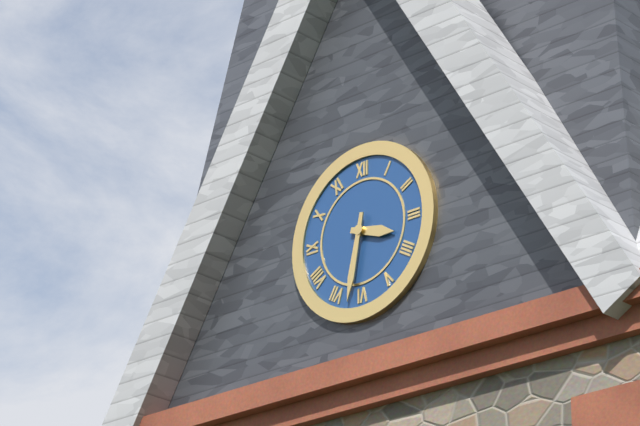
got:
3:32
